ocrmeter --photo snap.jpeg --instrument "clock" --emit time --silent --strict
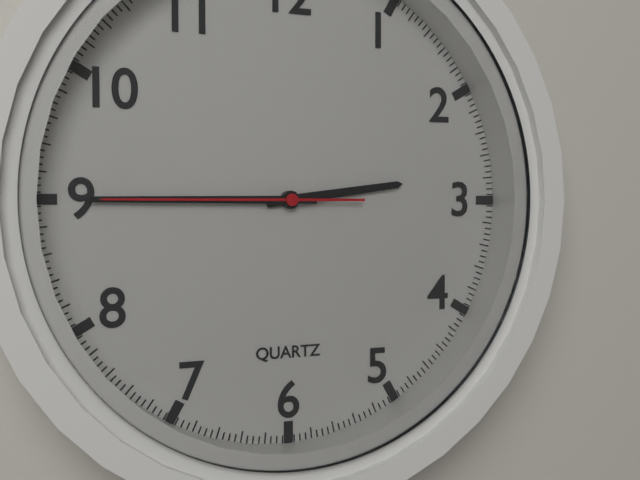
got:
2:45:45
